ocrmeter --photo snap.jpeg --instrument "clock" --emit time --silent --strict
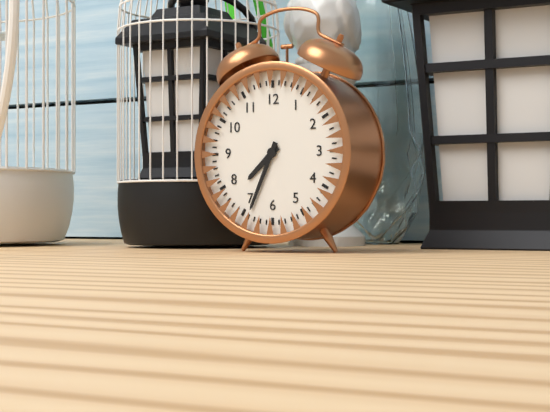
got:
7:34
